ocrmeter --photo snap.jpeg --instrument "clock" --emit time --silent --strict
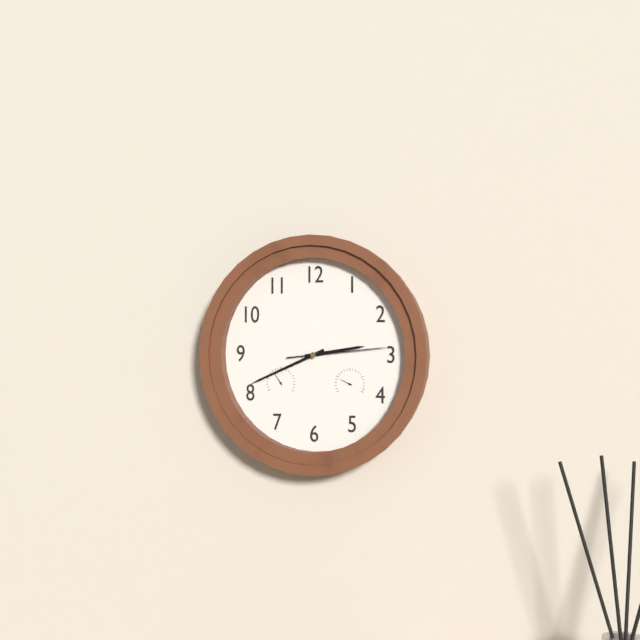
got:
2:41:14
